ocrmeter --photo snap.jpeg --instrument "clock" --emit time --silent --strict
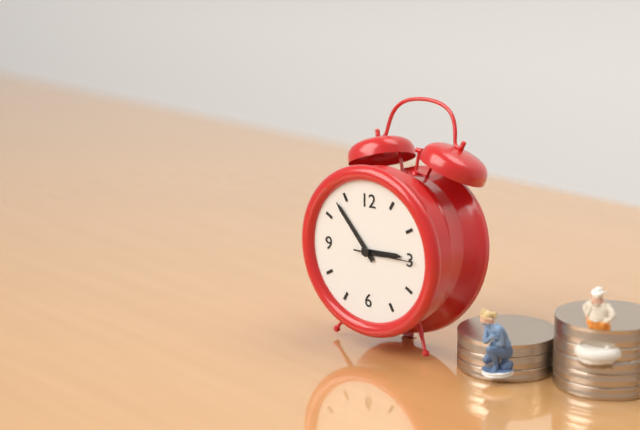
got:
2:53:15
